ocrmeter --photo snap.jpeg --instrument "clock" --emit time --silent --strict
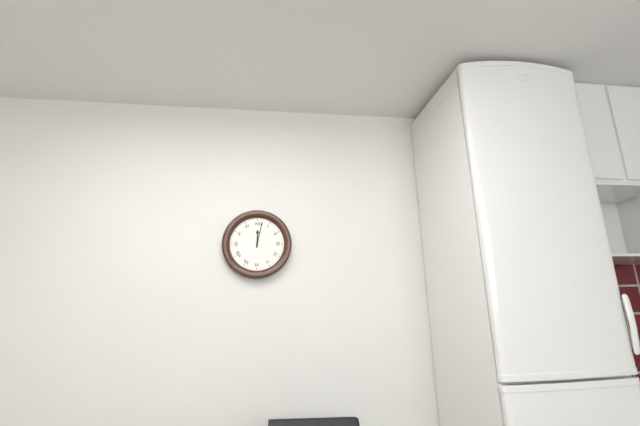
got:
12:02
